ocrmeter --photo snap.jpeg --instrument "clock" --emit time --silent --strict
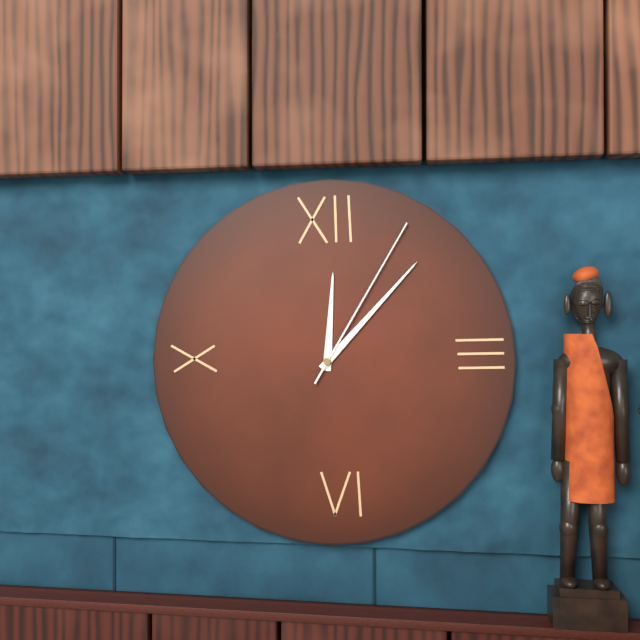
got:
12:07:05
